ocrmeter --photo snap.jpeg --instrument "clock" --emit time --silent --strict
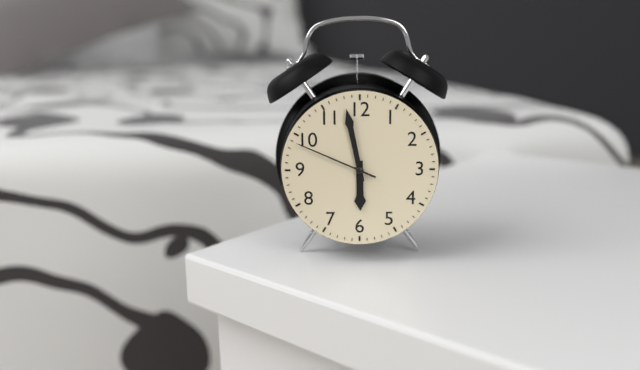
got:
5:58:49
